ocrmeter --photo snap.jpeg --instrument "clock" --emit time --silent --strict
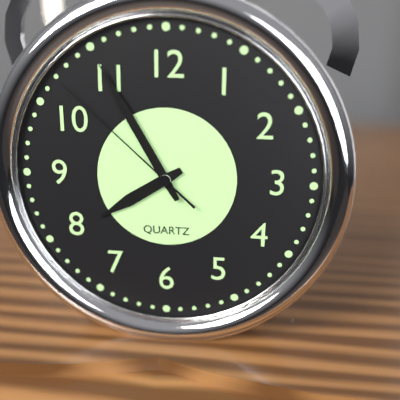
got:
7:55:52
